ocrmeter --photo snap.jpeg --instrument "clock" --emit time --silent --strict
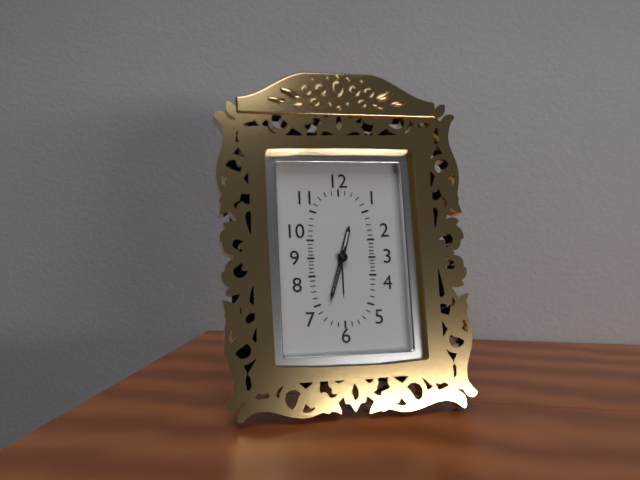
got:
12:33:33
